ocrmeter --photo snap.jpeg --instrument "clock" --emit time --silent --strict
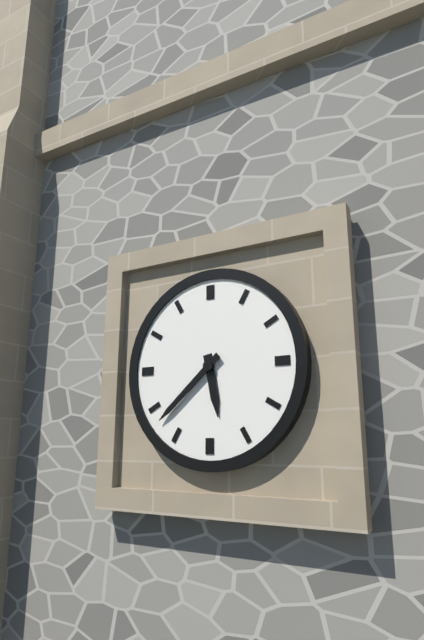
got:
5:38
